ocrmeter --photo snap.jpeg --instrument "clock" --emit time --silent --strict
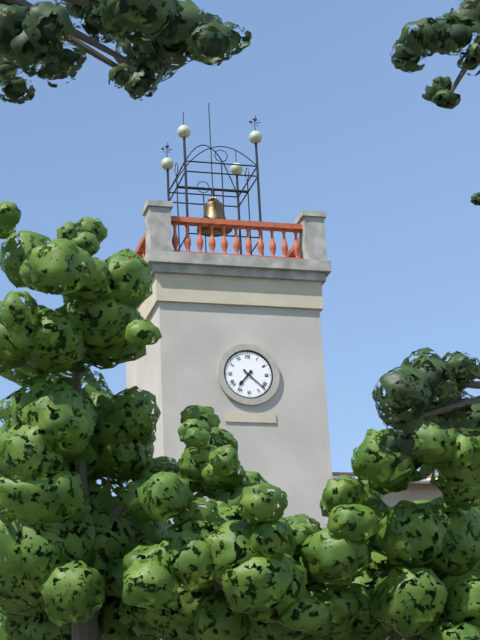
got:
7:22
